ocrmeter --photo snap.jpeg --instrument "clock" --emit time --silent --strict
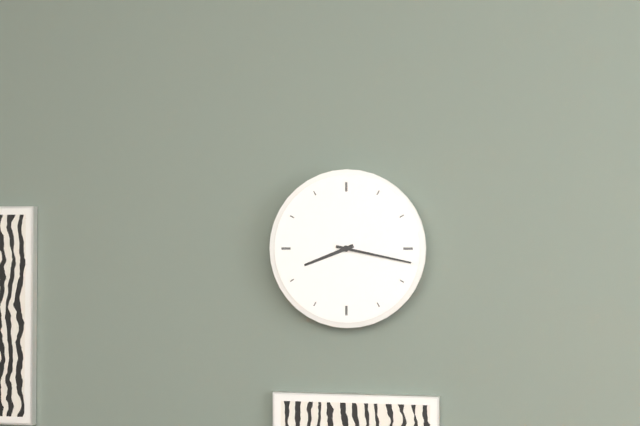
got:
8:17
